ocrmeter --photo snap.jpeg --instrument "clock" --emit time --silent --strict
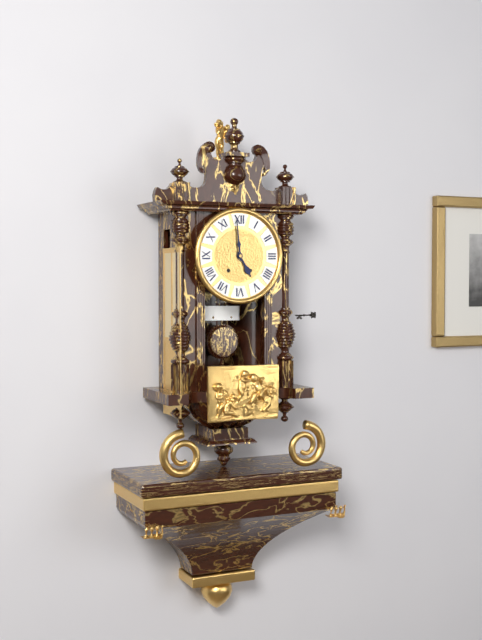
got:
4:59
